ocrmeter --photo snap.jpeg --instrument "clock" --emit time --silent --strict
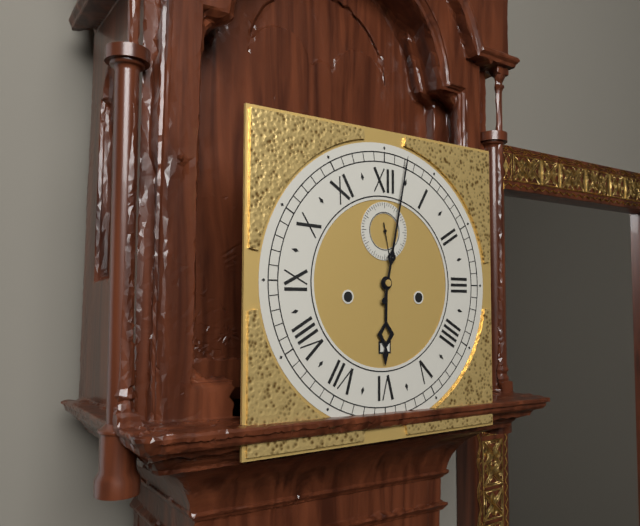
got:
6:02
